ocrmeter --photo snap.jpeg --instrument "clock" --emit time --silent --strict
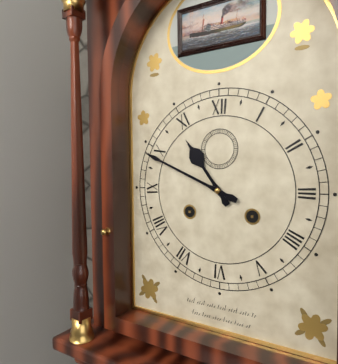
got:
10:49
